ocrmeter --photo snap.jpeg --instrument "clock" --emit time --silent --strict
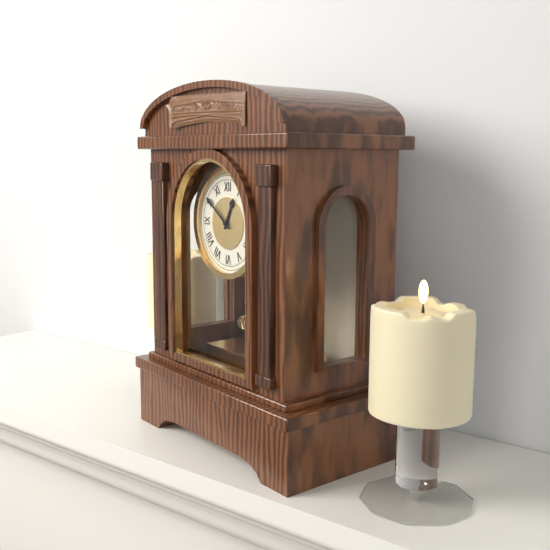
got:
12:51
